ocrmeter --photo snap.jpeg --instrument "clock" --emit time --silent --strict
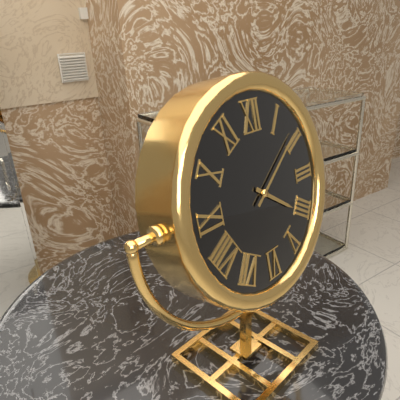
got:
4:09
